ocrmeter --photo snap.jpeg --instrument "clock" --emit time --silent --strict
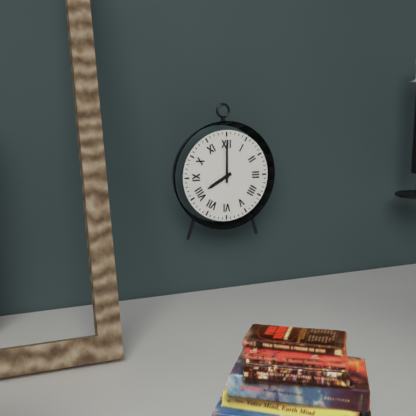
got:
8:00
